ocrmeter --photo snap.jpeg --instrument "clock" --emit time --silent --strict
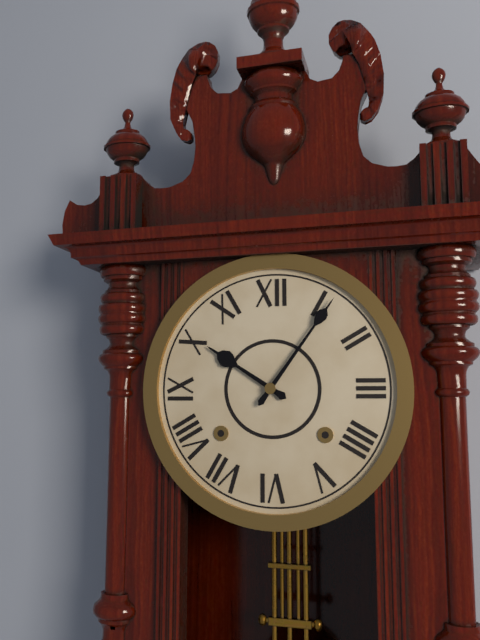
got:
10:06
